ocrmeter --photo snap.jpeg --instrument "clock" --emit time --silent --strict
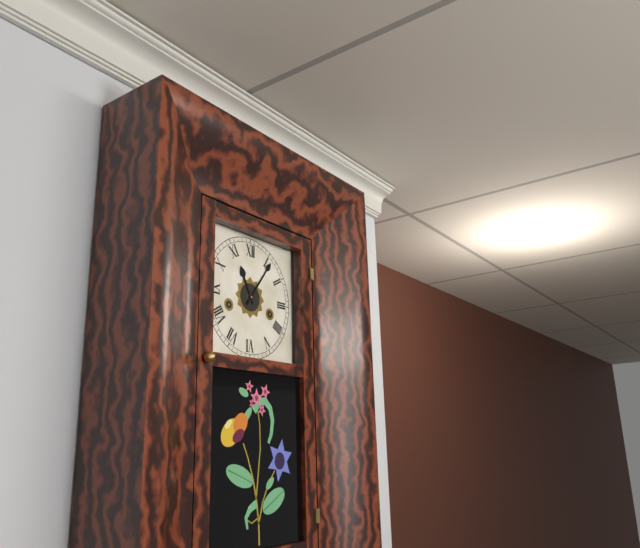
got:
11:06
